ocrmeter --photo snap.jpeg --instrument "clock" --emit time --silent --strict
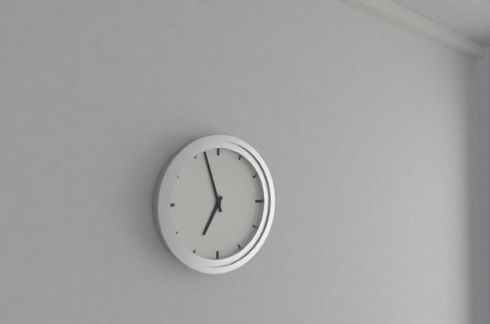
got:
6:57
